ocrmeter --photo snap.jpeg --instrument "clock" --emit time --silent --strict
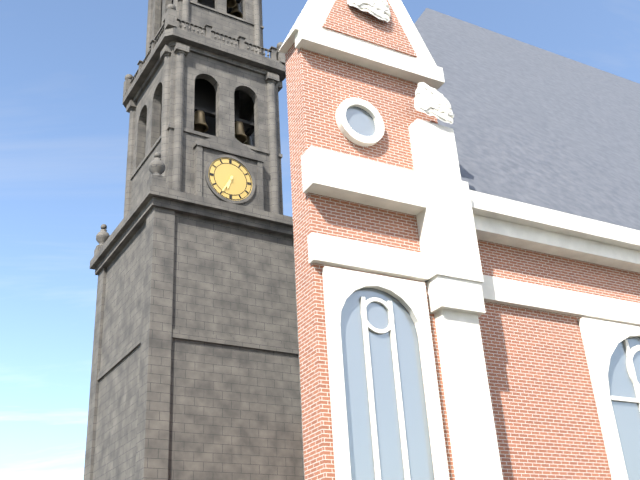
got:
6:35
